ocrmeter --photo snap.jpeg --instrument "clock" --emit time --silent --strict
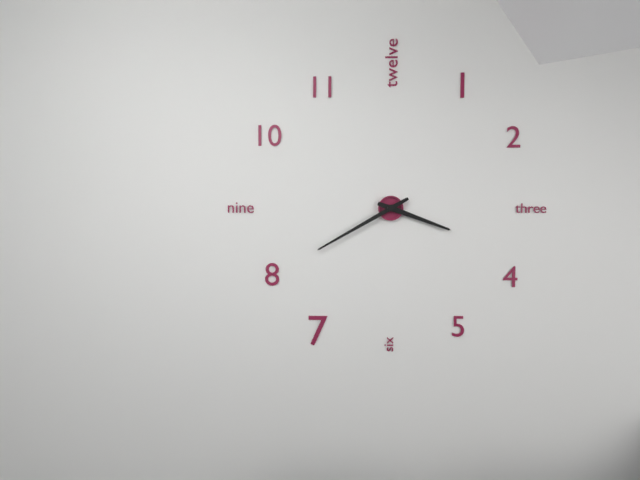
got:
3:40
